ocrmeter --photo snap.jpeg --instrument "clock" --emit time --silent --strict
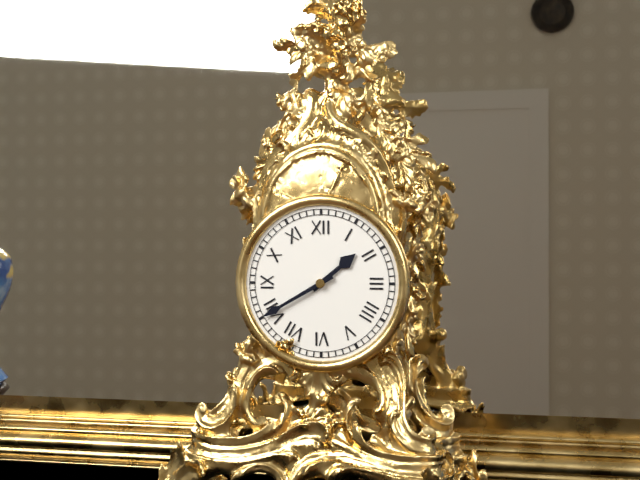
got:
1:40
